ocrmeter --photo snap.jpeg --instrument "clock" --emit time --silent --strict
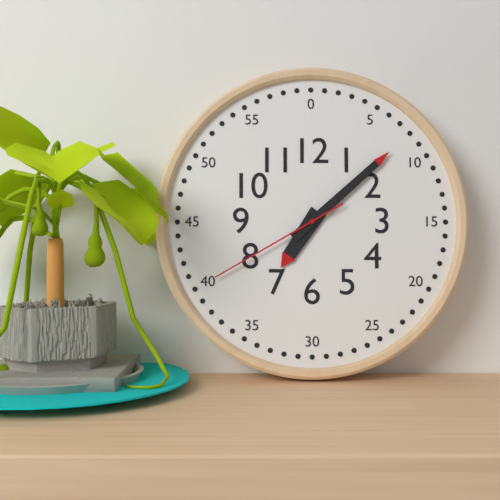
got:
7:08:40
